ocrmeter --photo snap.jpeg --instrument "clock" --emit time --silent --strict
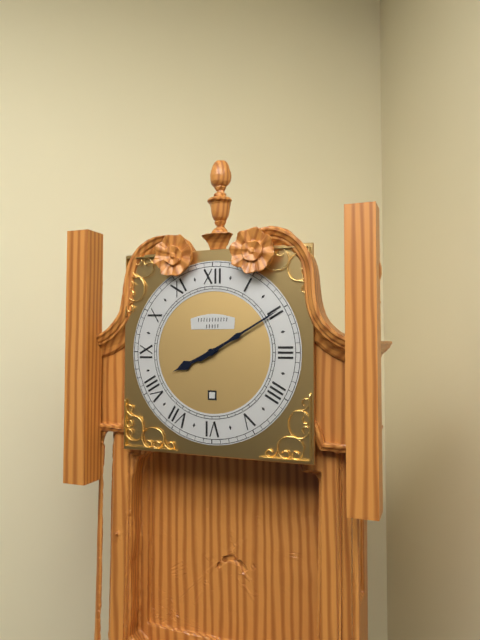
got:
8:10
